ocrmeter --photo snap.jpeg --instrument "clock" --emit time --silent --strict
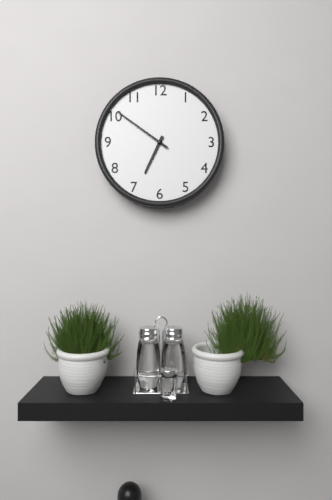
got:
6:51
